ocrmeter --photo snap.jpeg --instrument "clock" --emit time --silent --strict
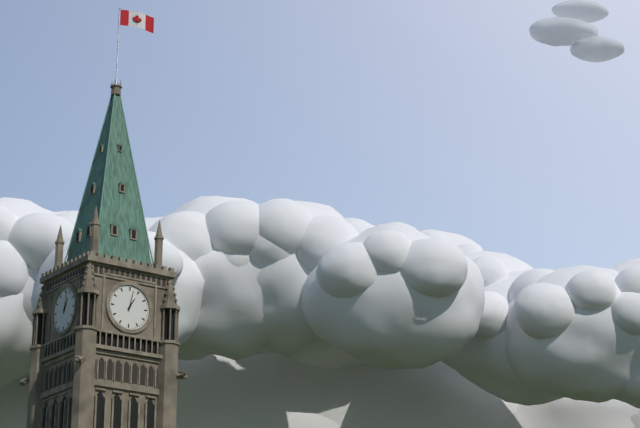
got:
1:02
